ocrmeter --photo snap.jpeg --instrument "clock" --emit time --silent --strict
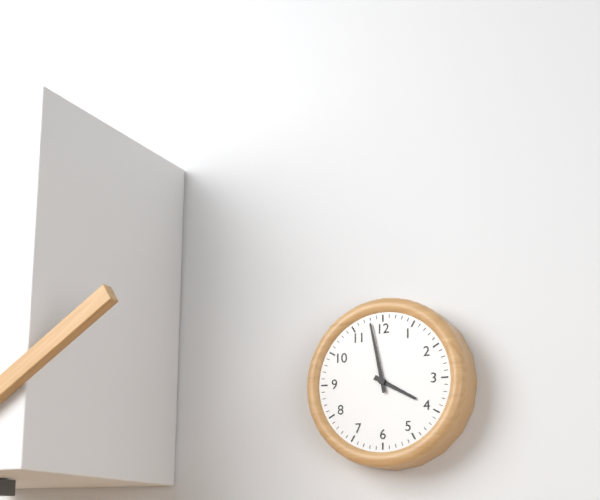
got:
3:58
